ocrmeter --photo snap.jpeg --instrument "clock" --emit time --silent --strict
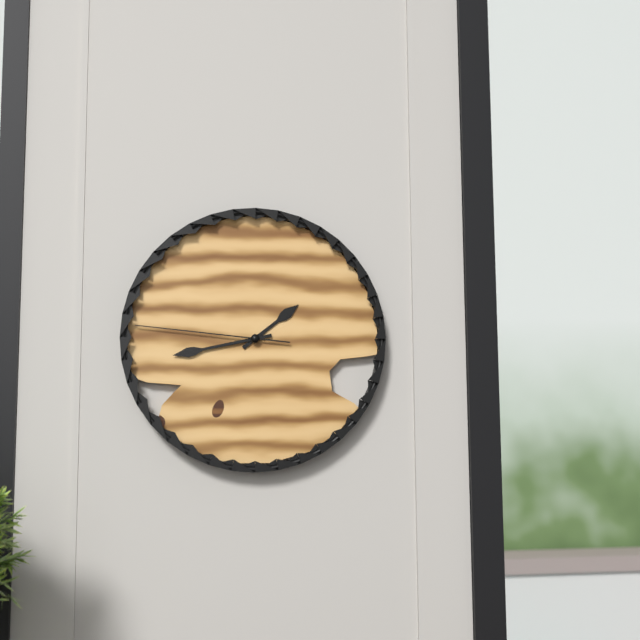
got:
1:43:46
